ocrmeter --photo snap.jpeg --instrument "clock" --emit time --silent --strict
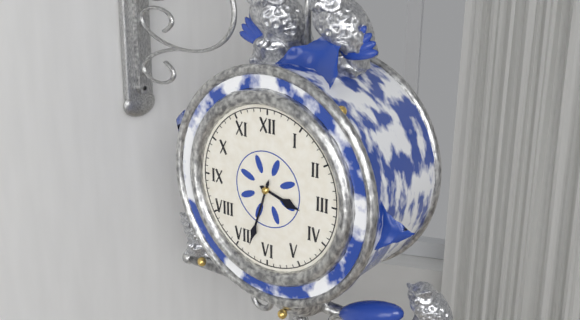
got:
3:33
